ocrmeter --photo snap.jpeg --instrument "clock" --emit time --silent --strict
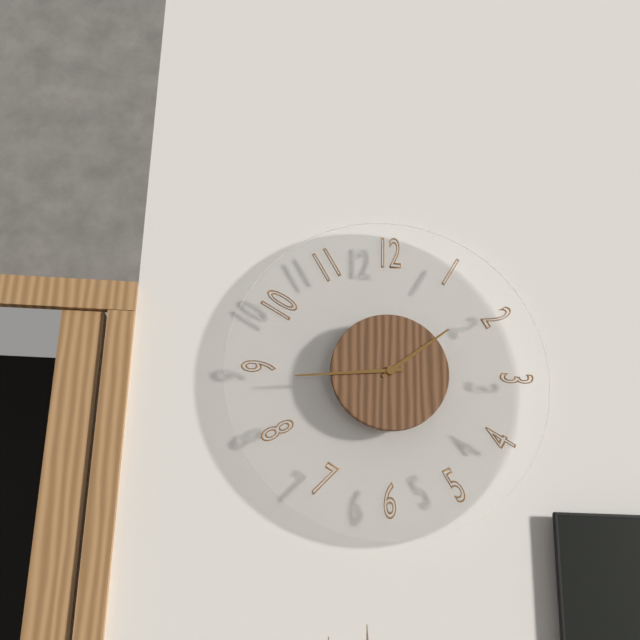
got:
1:44
